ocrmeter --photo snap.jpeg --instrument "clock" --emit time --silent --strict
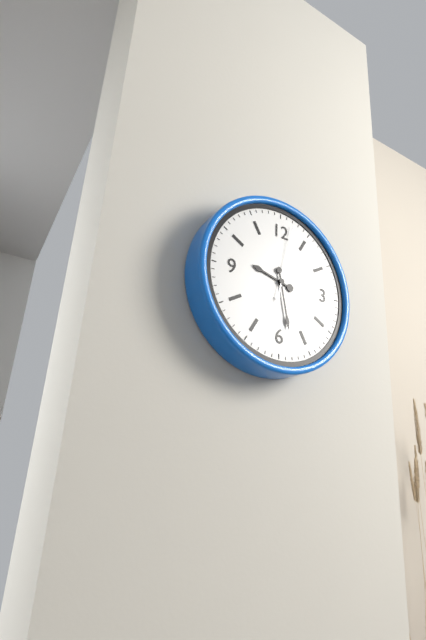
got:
9:28:02
